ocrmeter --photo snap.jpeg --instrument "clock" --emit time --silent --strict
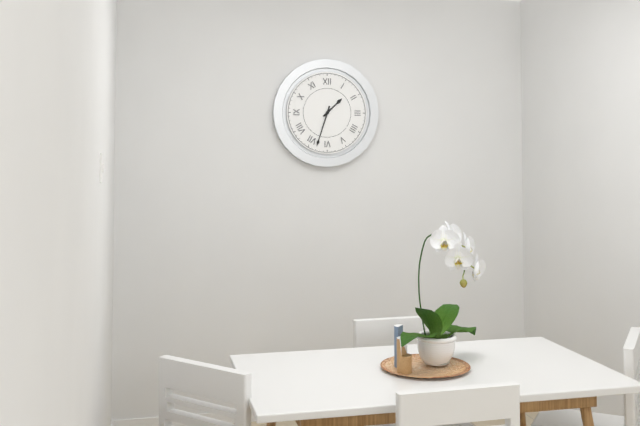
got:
1:33
